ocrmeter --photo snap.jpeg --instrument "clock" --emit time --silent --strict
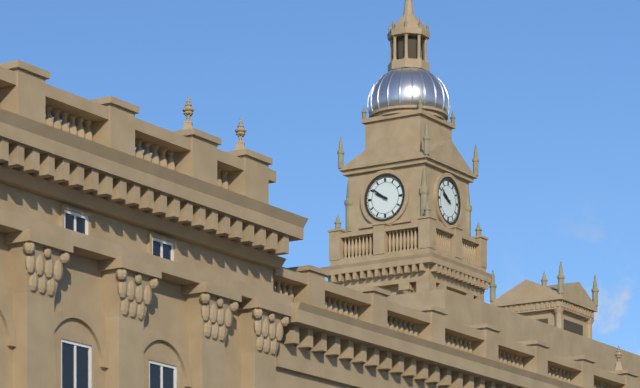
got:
9:51
